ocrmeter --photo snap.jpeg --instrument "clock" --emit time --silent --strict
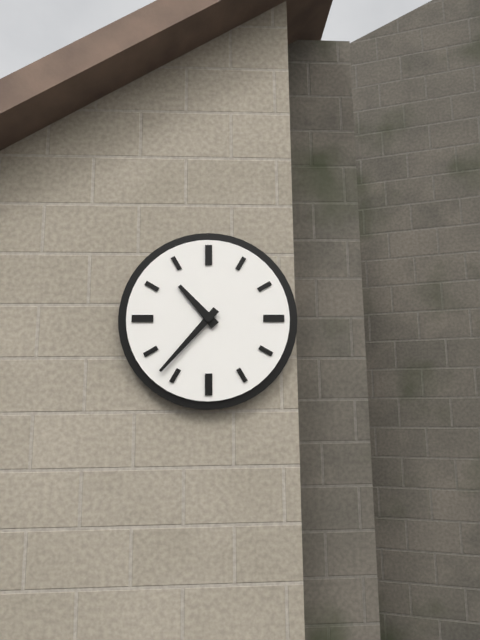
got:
10:37
